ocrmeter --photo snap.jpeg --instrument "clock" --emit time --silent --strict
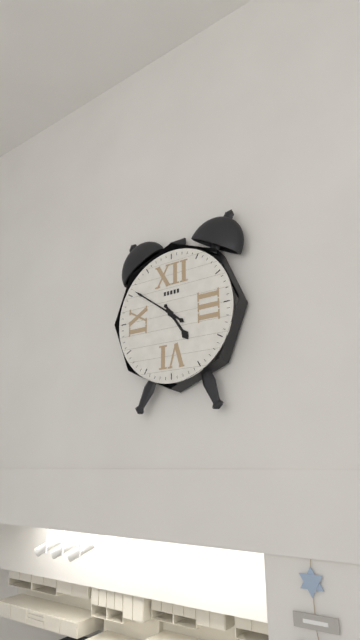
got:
4:51
